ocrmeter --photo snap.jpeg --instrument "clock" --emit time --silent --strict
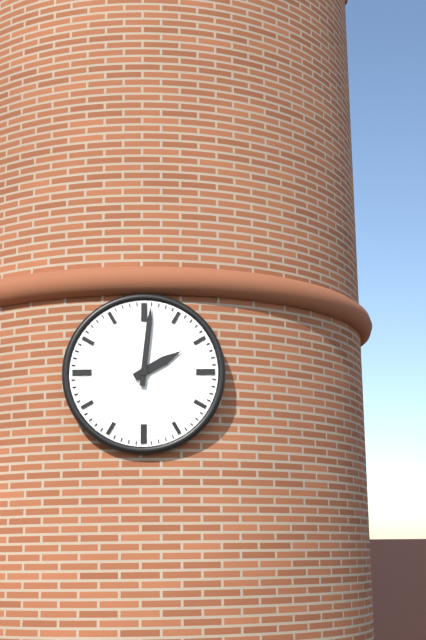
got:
2:01
